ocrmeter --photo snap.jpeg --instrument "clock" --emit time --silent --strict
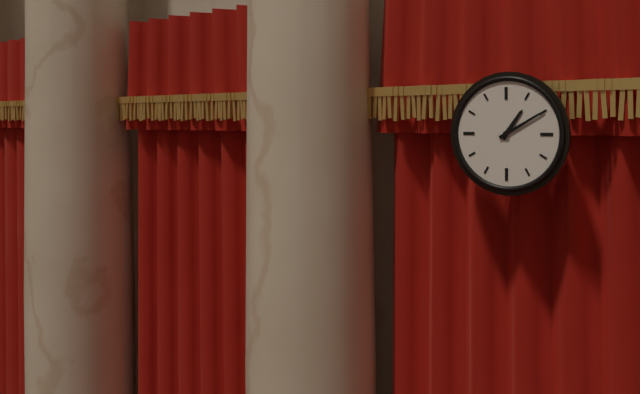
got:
1:10
